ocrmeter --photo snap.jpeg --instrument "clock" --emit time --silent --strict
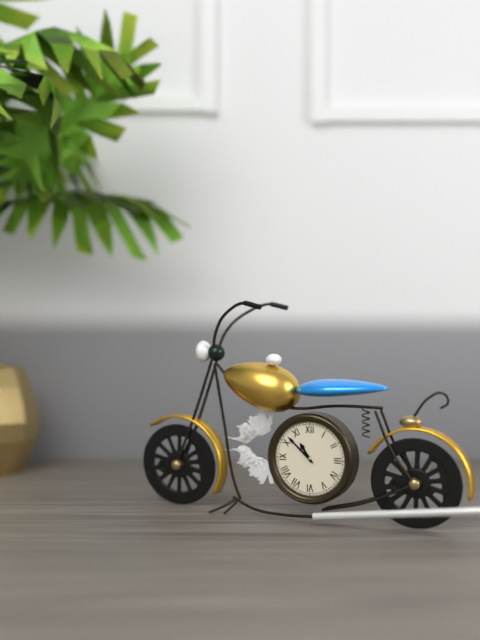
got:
10:52
